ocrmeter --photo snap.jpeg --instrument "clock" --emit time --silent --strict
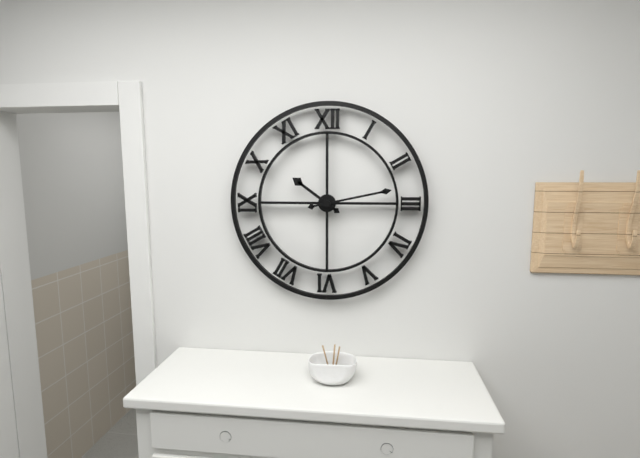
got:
10:13
